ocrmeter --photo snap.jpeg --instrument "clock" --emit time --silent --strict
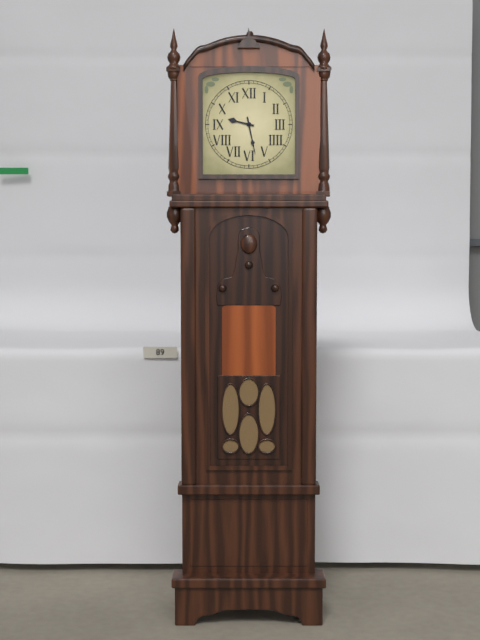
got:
9:28
